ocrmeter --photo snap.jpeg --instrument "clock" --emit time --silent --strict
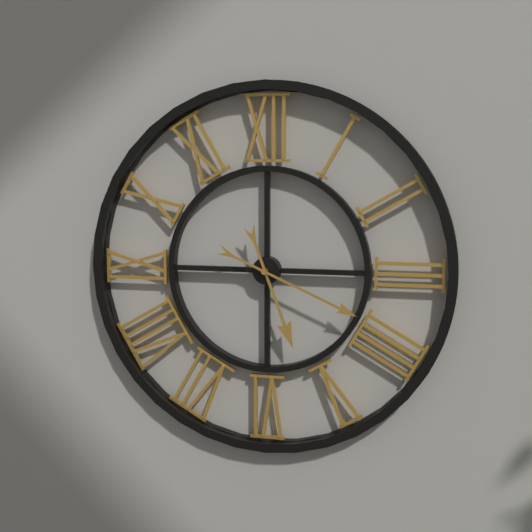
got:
5:19
